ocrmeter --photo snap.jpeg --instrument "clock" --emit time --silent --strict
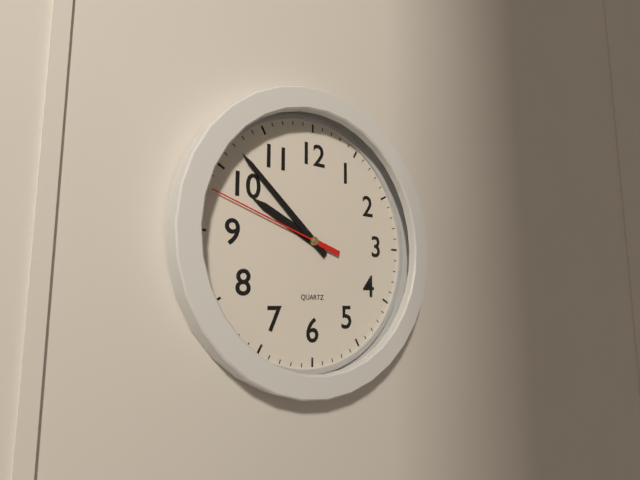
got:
9:52:48
